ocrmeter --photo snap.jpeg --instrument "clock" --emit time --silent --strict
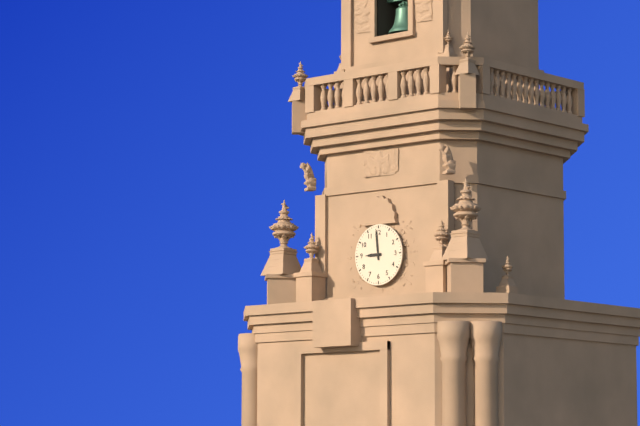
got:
8:59
